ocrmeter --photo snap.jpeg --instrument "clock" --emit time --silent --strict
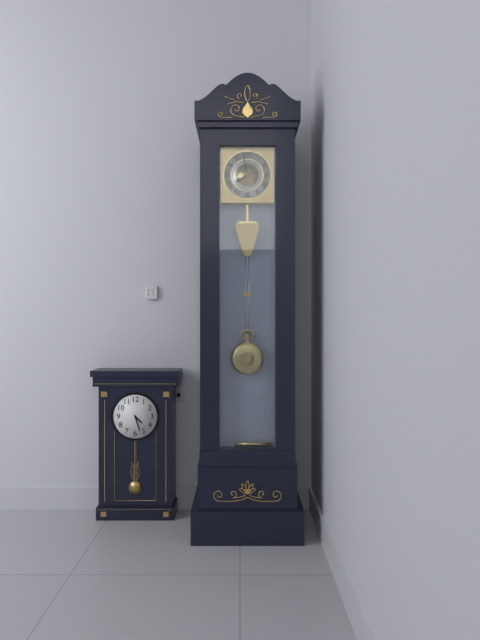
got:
7:58
